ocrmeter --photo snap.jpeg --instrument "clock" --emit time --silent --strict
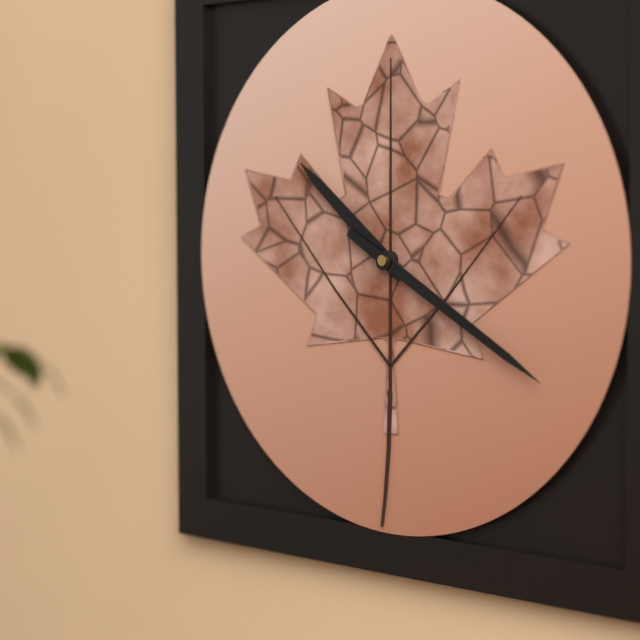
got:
10:20
